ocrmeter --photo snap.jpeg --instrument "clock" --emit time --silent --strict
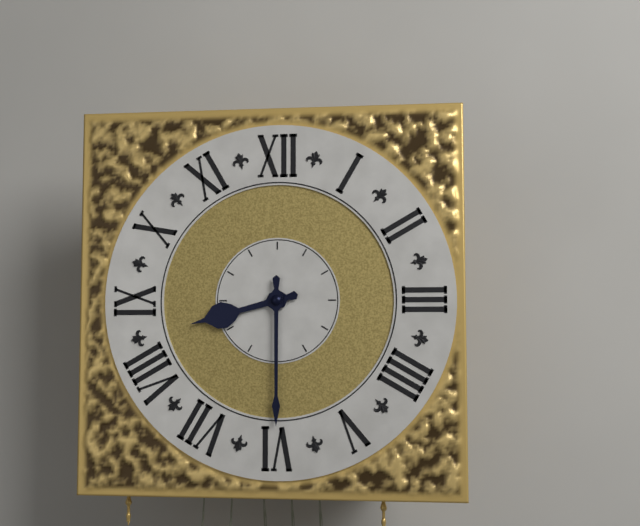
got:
8:30
